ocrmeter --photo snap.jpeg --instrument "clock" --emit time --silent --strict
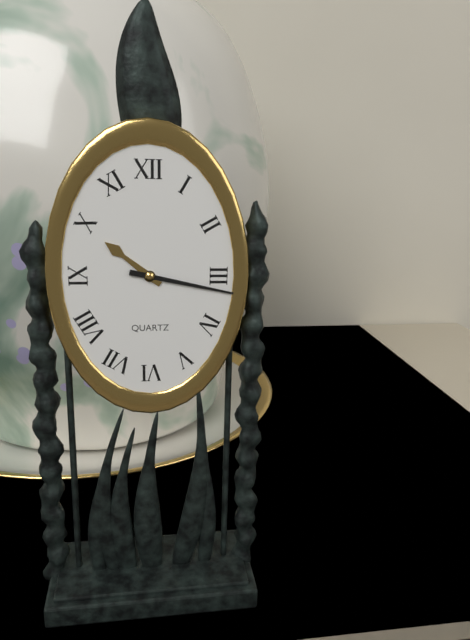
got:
10:17
